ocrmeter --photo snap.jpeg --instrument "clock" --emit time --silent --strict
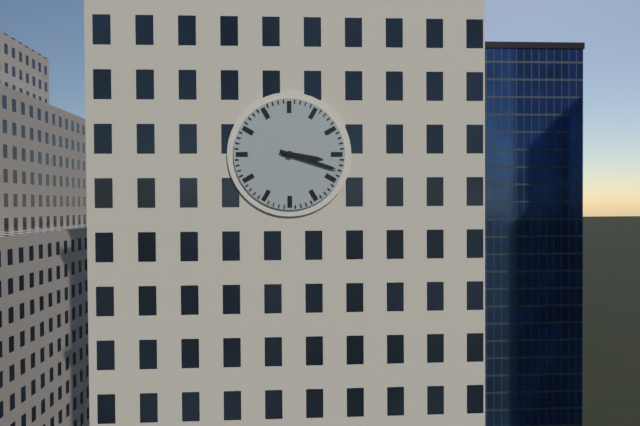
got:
3:18
